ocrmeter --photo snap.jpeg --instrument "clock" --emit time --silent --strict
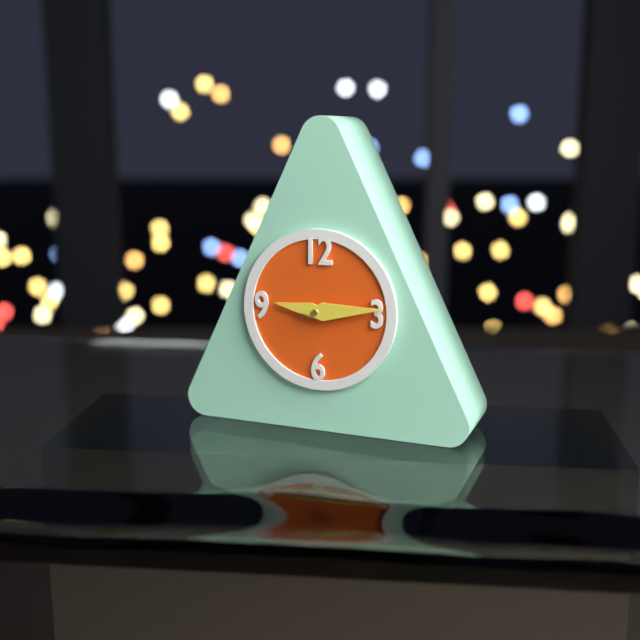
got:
9:14
